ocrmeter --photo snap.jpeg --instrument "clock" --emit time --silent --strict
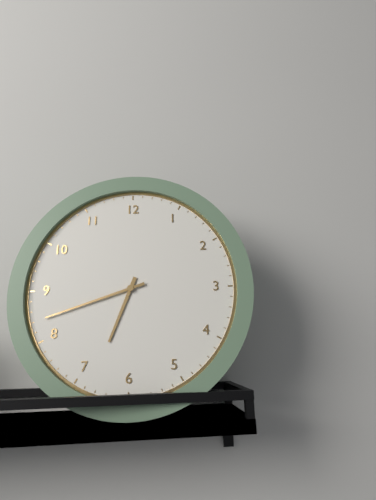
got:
6:42
